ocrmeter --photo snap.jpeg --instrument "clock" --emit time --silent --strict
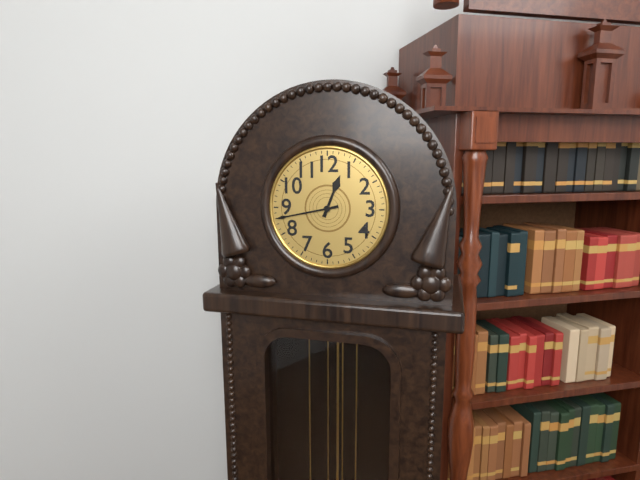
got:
12:43
